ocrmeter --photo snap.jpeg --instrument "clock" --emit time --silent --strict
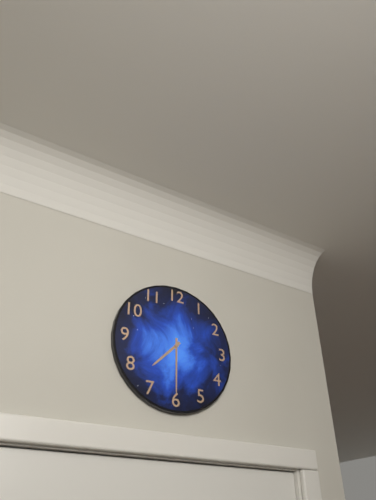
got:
7:30
